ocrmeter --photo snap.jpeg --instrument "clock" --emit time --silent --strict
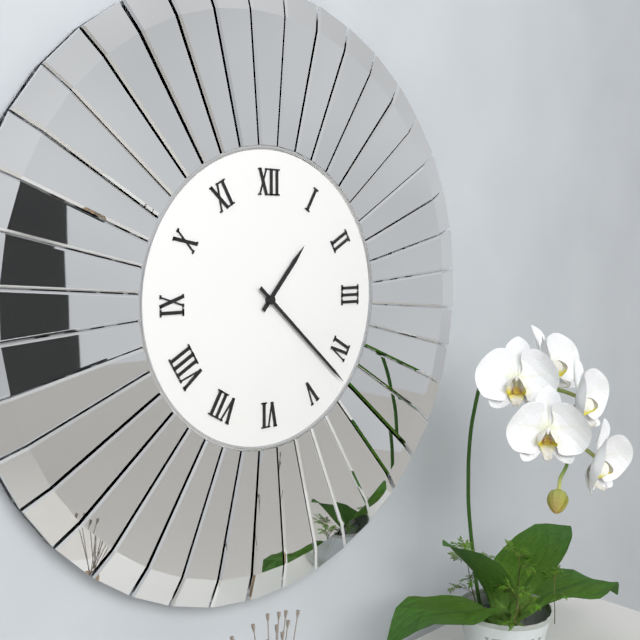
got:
1:22
